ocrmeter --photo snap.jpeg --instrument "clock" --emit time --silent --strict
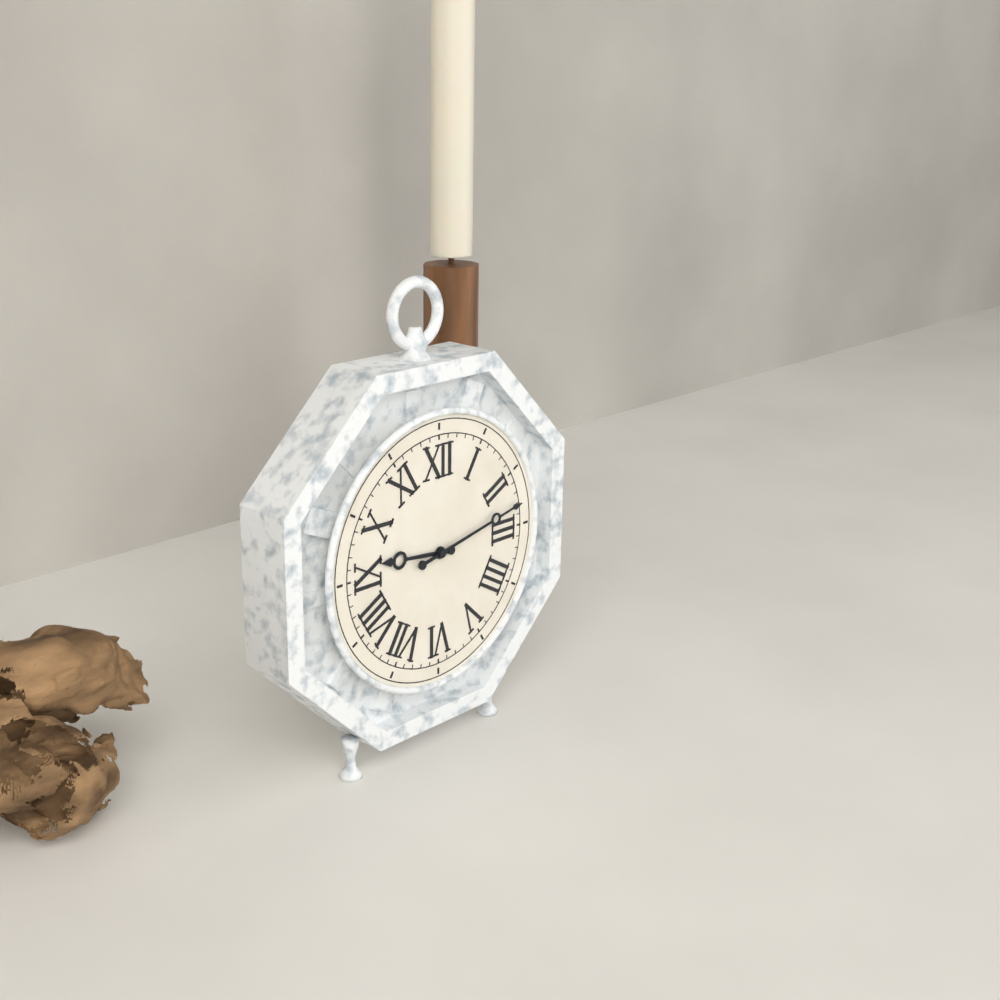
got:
9:13
